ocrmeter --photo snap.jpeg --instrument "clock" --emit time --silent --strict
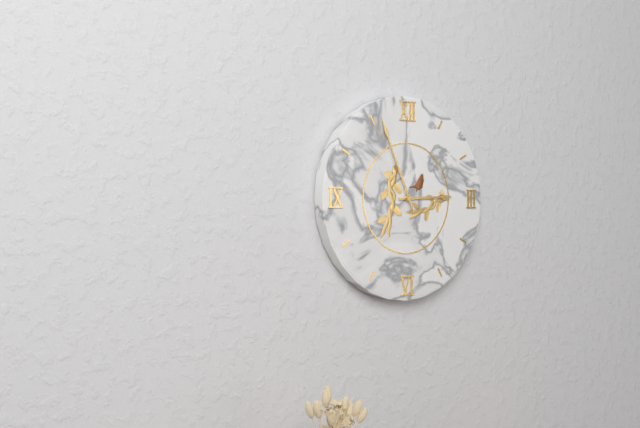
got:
2:56
